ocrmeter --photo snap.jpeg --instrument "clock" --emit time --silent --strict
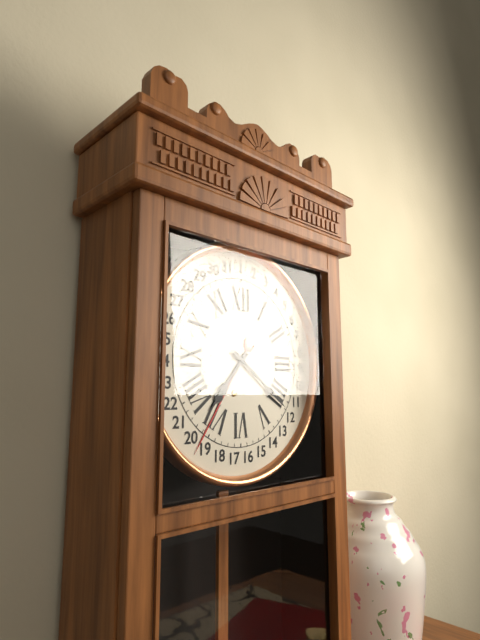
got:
7:21
